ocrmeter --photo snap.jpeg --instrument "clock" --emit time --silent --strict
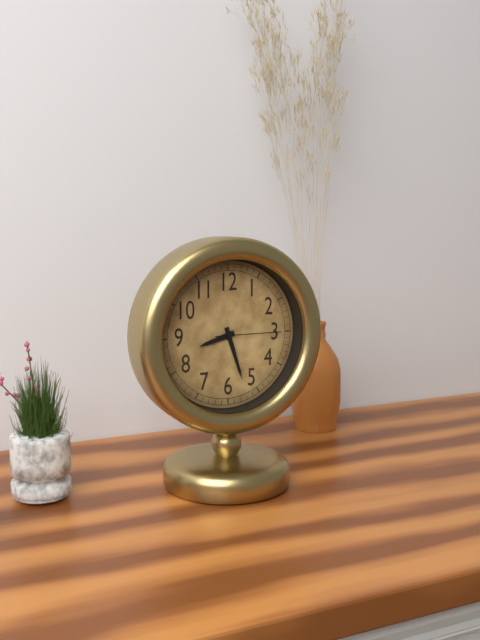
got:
8:27:15
